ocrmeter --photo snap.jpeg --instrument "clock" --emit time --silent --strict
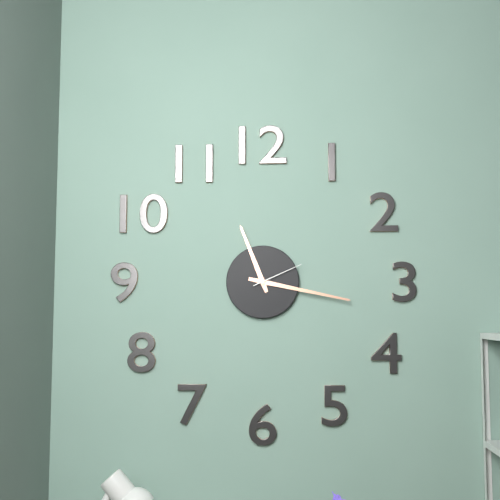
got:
11:17:11
